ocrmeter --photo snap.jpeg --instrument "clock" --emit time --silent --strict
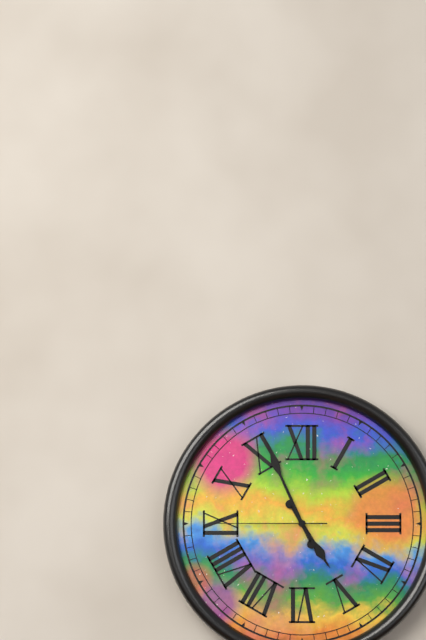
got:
4:56:45
